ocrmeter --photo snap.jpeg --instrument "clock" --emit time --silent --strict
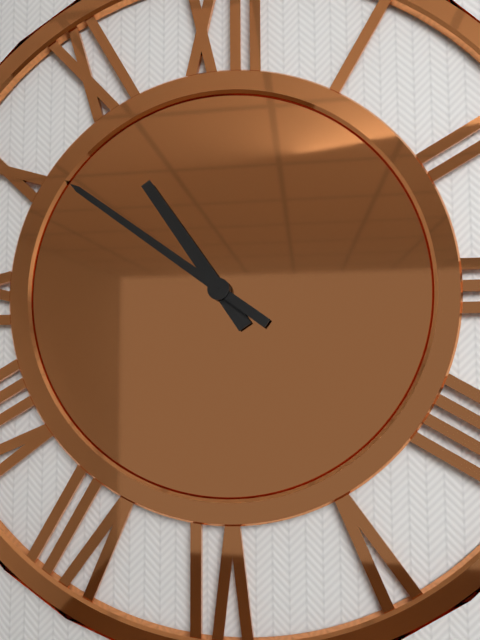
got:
10:51
